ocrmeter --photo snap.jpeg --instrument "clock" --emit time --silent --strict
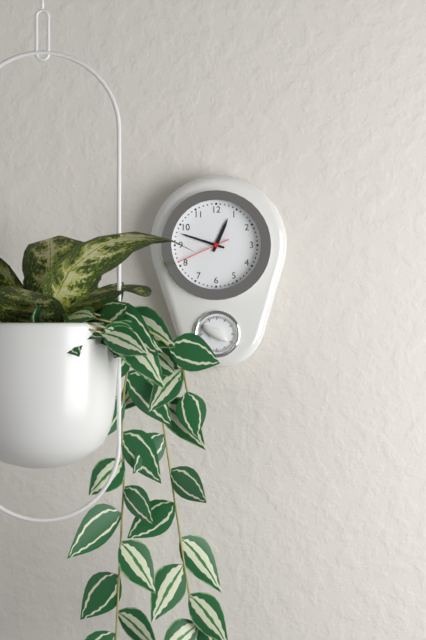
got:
12:48:41
